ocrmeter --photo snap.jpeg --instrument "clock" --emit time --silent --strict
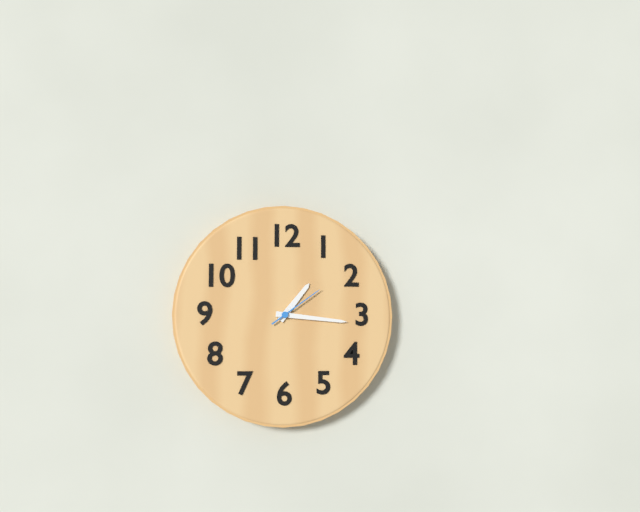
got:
1:16:09
